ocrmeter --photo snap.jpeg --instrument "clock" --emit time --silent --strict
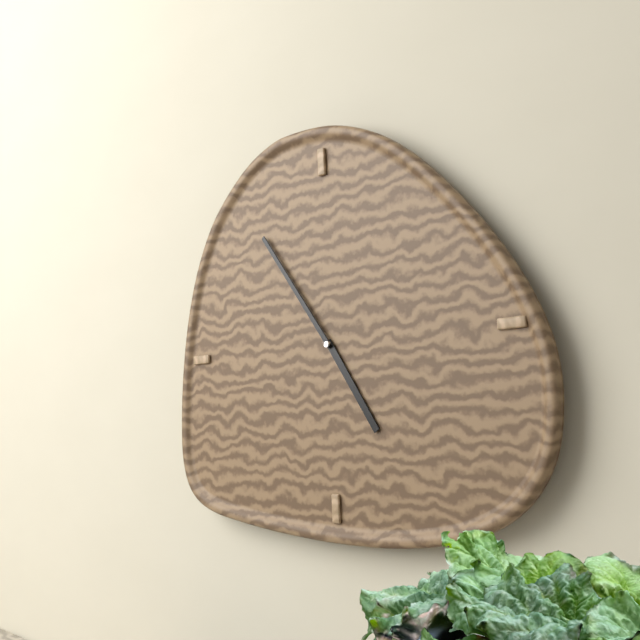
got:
4:54
